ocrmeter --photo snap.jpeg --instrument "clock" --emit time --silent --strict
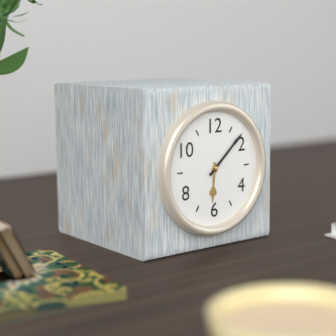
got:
6:08
